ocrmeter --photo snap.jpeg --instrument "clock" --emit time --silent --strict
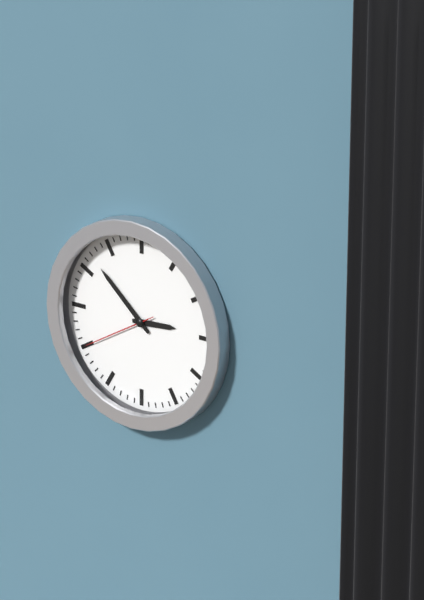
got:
2:52:40
